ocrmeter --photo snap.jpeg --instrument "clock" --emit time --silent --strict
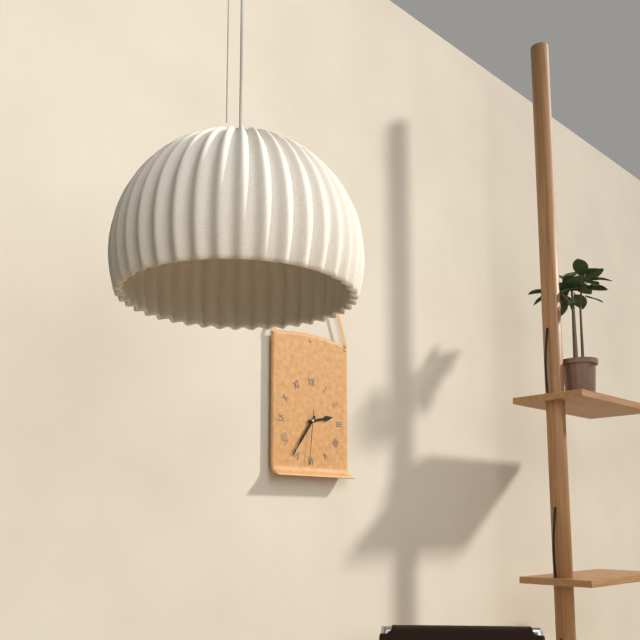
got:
2:36:31
